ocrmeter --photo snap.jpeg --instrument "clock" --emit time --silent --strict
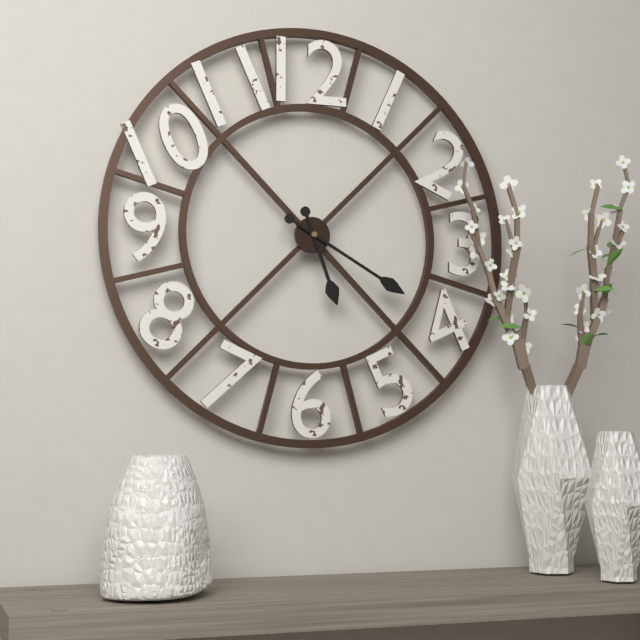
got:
5:20
